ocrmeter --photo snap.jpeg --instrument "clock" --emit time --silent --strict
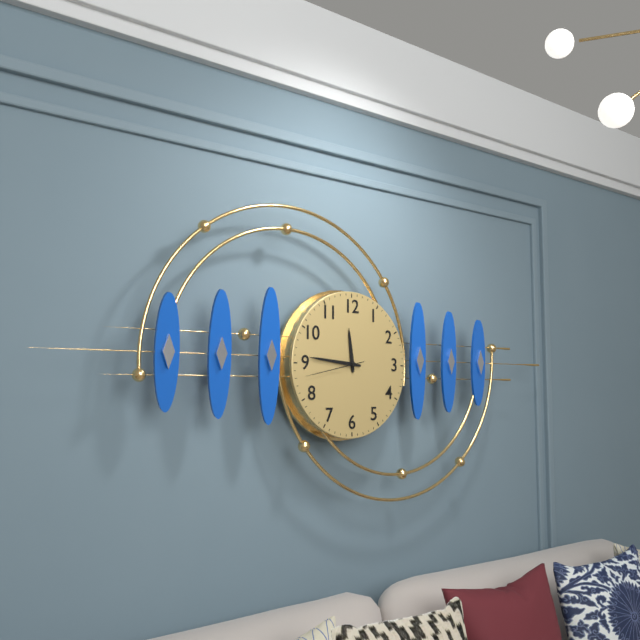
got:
11:46:43
